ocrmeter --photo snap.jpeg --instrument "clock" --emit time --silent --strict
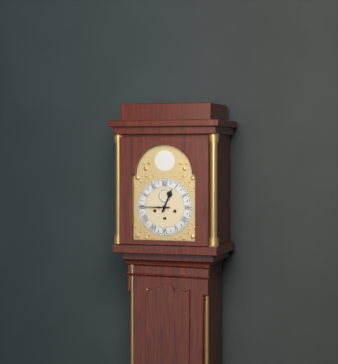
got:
12:45
